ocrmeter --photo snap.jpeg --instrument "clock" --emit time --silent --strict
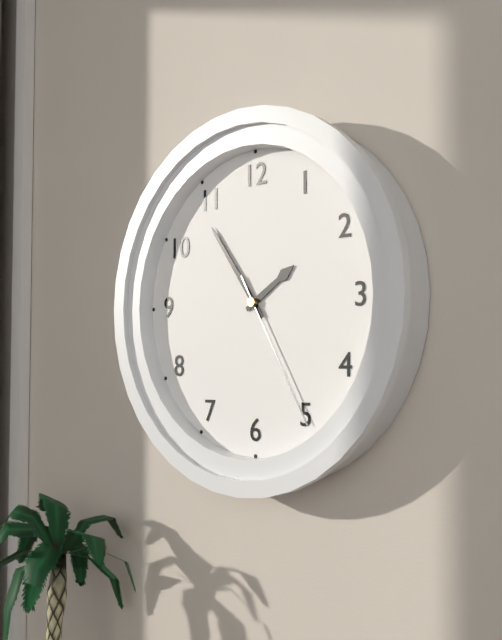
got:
1:54:25
